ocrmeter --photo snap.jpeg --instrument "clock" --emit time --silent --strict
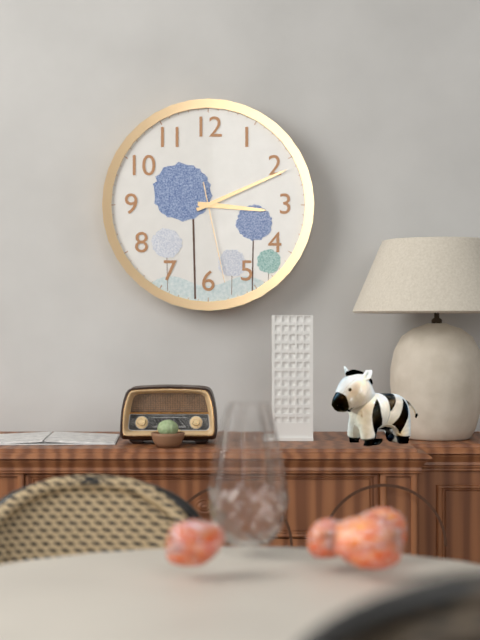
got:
3:11:28
